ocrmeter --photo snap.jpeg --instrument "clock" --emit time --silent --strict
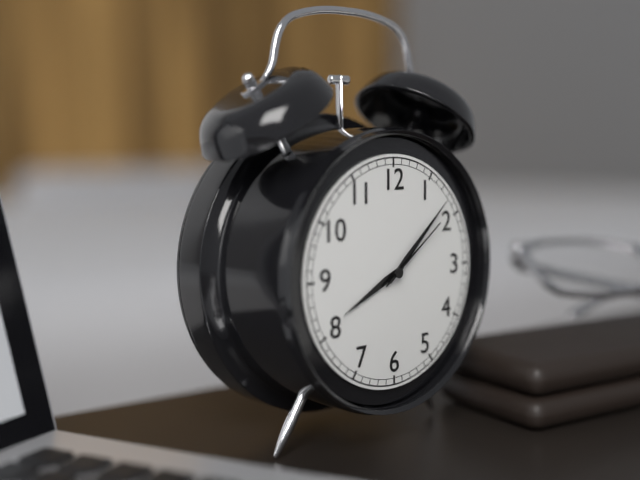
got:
8:08:09
